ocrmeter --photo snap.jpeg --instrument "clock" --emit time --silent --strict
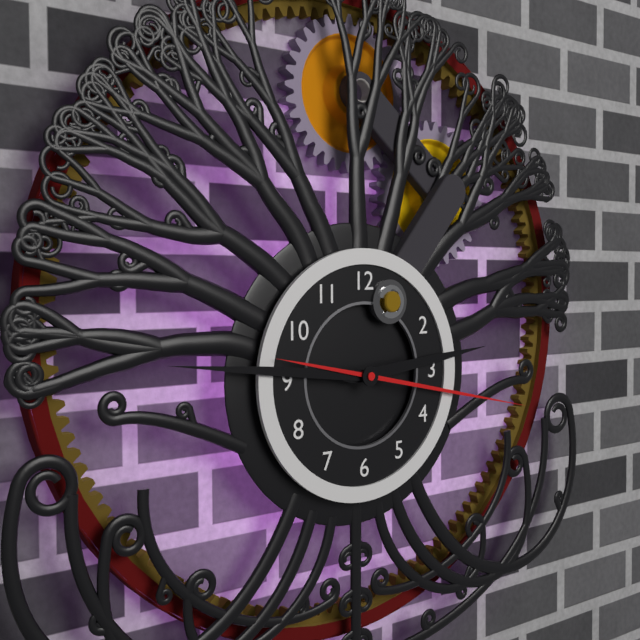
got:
2:46:17
